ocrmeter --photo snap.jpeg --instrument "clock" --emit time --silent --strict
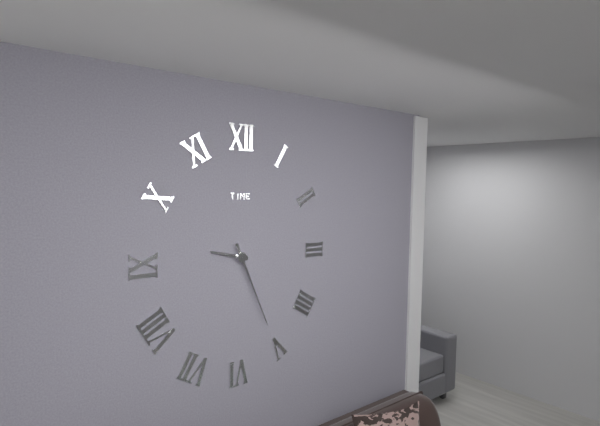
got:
9:26
